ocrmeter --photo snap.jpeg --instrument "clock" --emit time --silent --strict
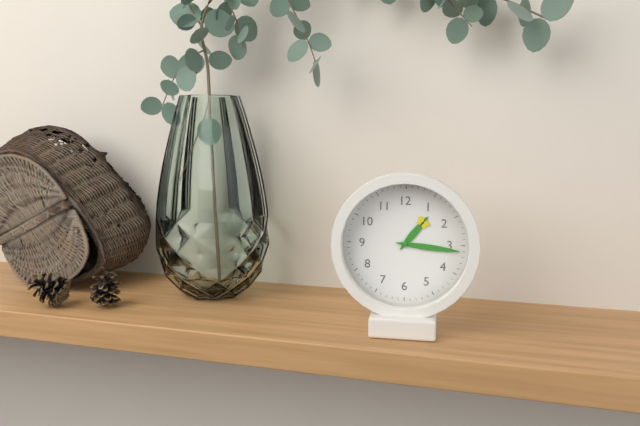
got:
1:16
